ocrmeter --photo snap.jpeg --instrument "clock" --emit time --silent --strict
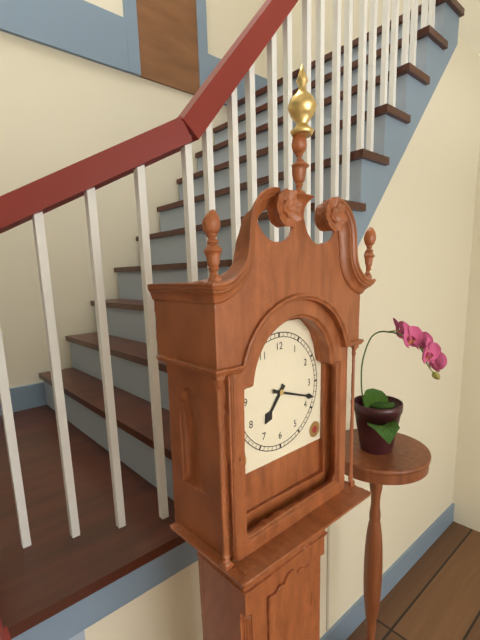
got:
7:18
